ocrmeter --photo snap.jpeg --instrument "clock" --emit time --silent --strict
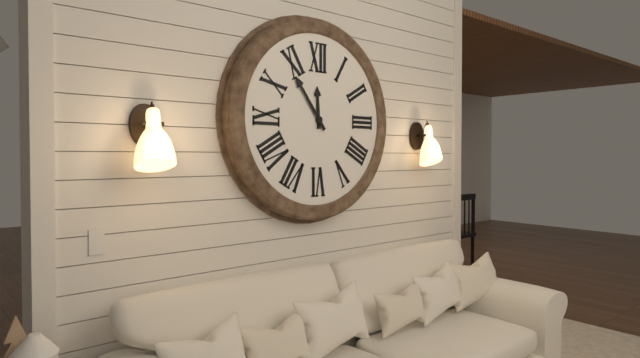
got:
11:54
